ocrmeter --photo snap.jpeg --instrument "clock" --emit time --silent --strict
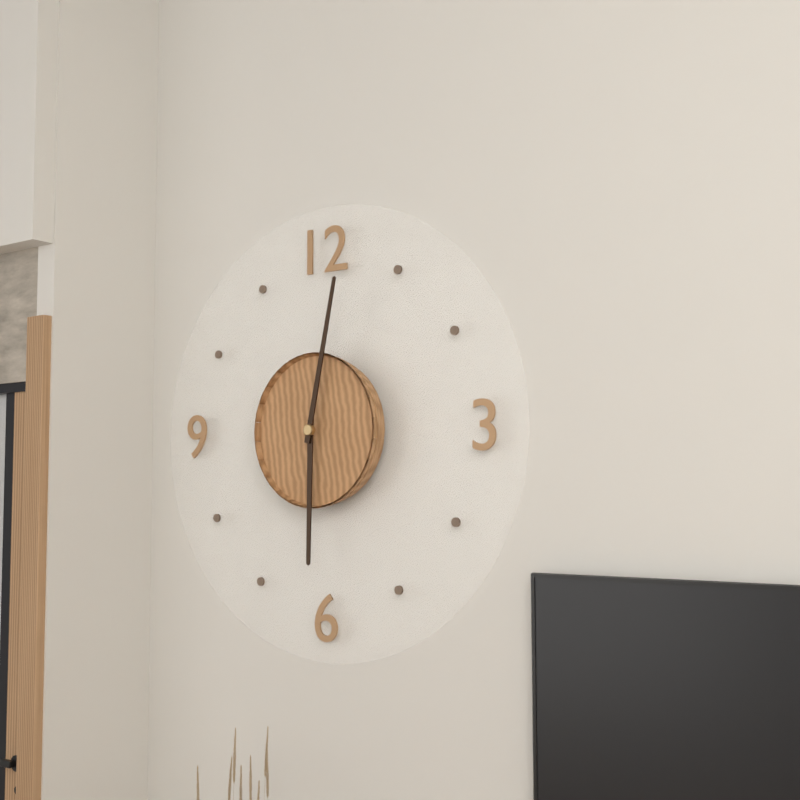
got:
6:02
